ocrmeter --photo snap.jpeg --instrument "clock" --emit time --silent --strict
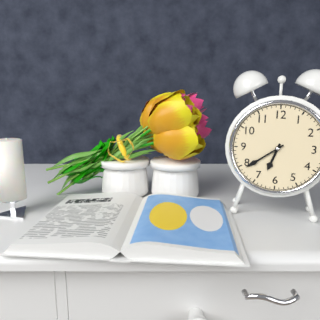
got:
6:39
